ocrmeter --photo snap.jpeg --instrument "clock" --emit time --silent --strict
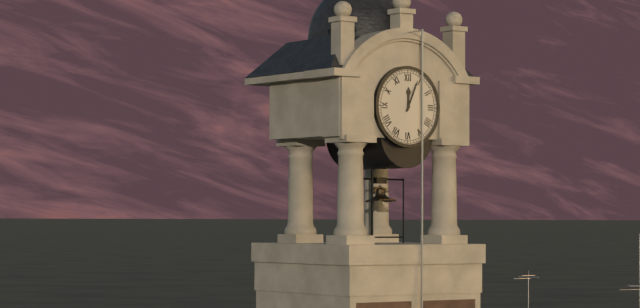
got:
12:04
